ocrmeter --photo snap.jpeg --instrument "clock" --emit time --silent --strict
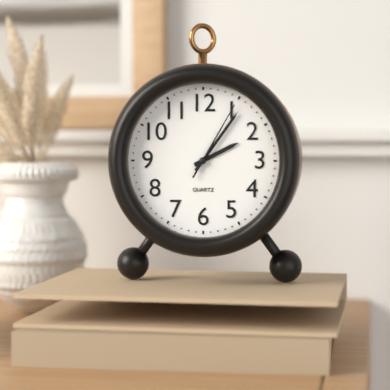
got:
2:06:05
